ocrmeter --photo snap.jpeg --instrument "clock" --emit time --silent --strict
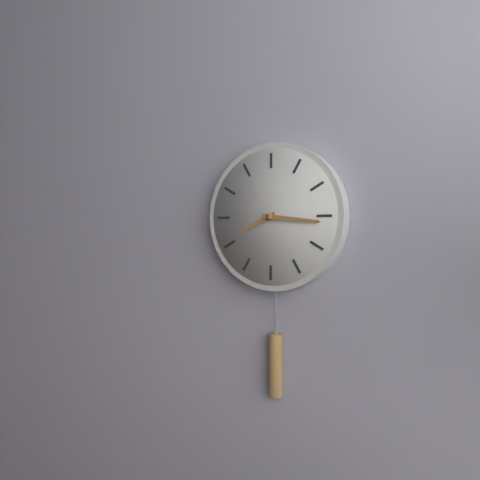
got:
8:16
